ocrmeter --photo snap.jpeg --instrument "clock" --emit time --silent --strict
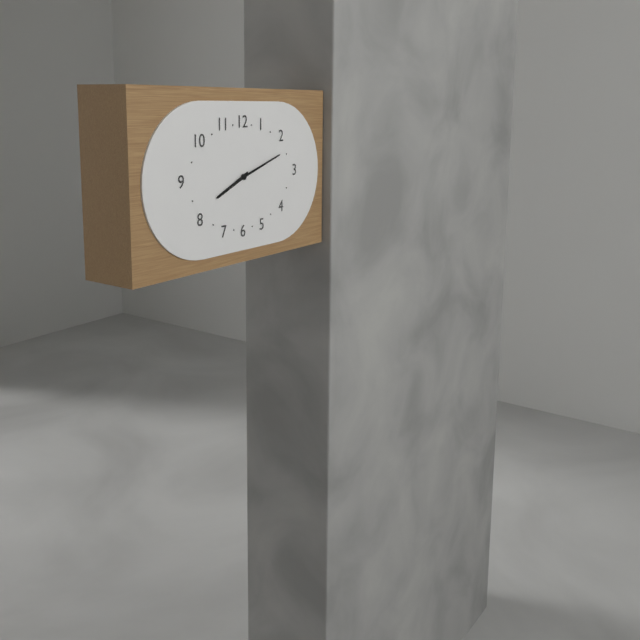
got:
8:12
